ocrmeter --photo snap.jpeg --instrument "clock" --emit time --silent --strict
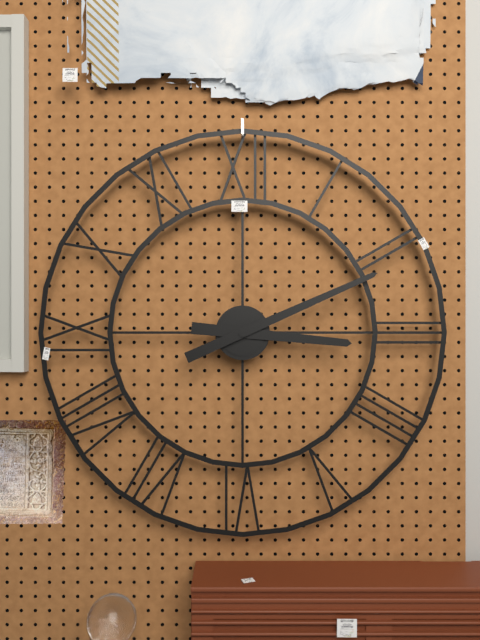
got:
3:11
